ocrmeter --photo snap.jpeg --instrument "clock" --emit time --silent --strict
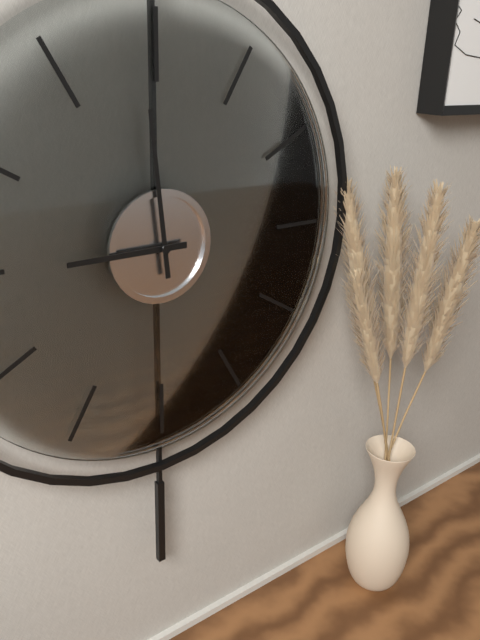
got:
8:59
